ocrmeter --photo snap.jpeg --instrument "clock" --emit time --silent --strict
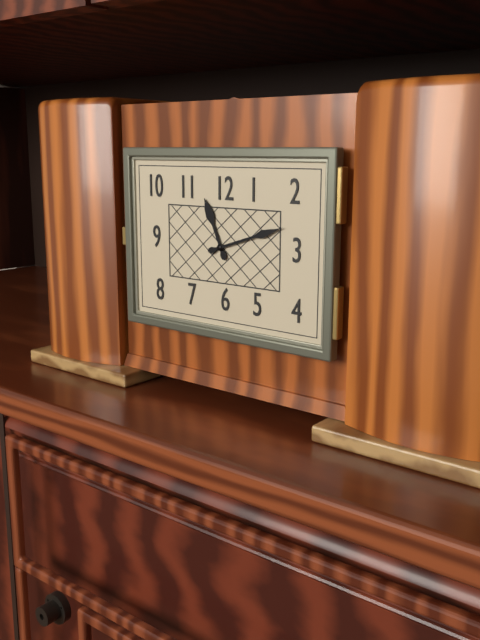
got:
11:12
